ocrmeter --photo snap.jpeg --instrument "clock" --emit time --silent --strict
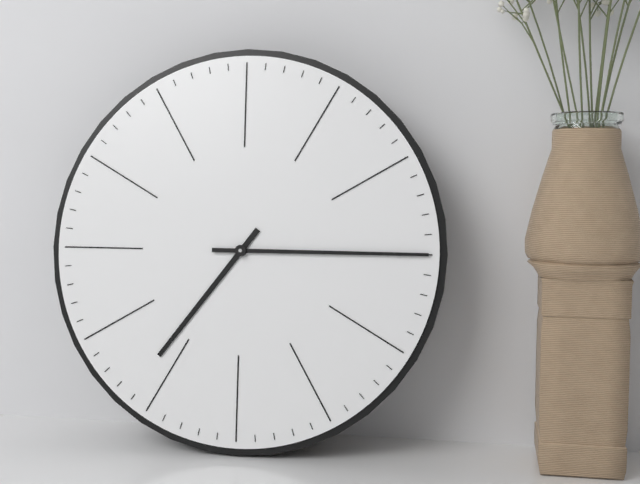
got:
7:15
